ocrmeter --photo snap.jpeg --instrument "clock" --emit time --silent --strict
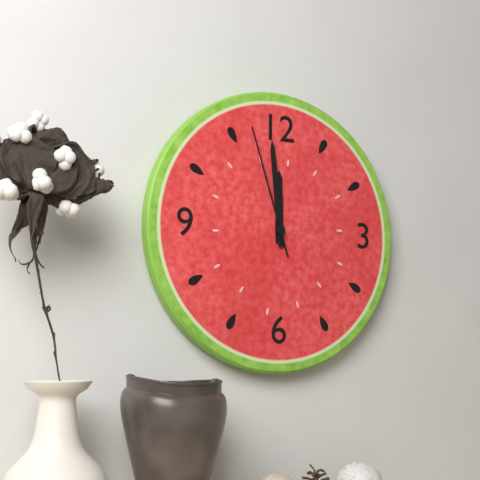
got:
11:59:57
